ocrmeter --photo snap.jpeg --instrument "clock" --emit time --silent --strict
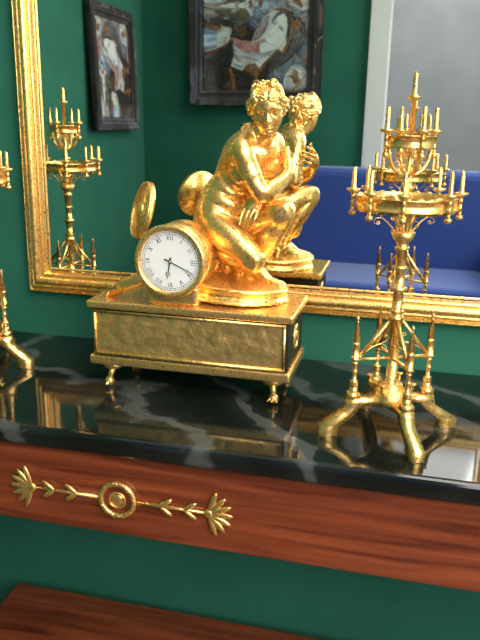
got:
6:19
